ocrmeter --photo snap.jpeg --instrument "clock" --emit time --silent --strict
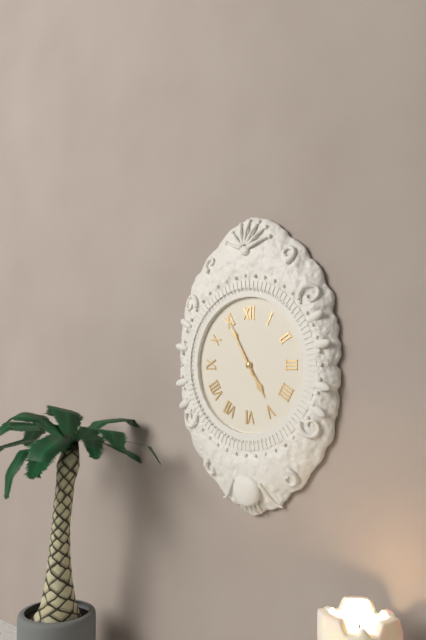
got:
4:55
